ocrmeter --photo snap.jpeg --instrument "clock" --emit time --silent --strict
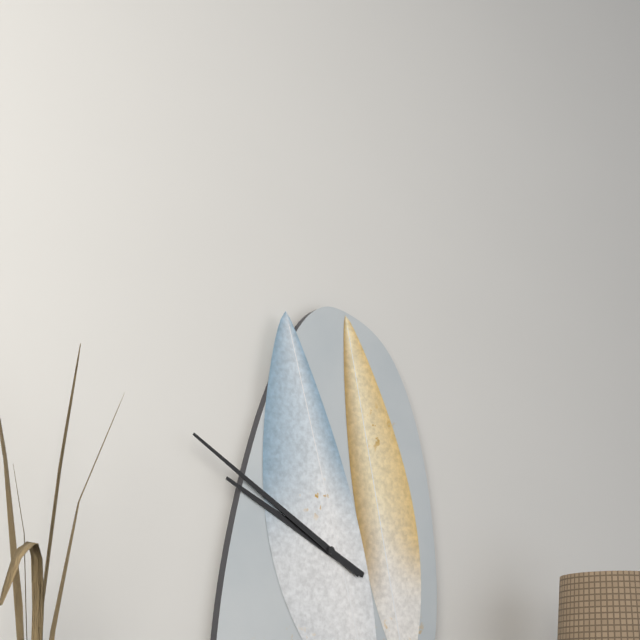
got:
9:50
